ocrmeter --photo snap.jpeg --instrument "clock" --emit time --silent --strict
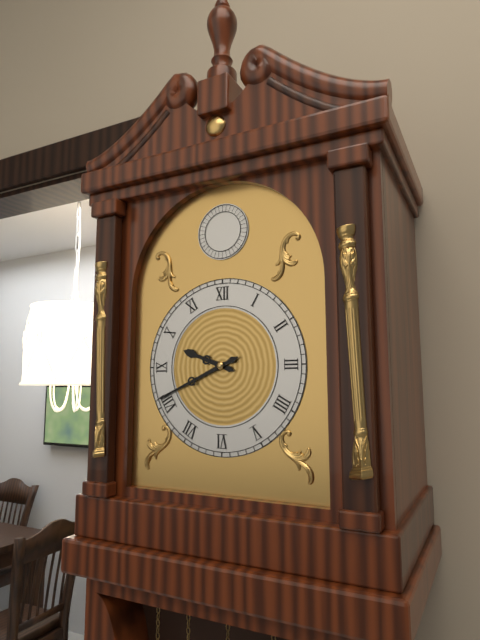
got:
9:41
